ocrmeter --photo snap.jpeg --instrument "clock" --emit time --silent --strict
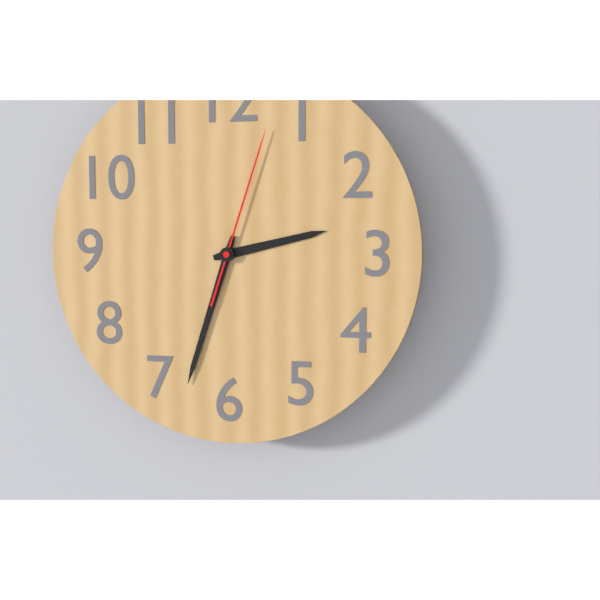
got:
2:33:03
